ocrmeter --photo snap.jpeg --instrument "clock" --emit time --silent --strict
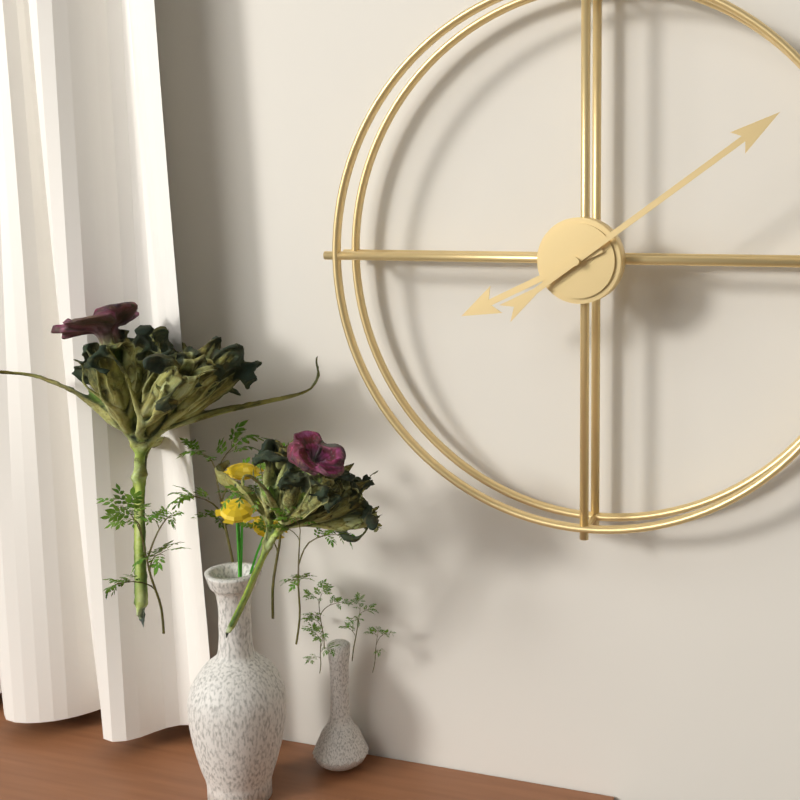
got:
8:09
